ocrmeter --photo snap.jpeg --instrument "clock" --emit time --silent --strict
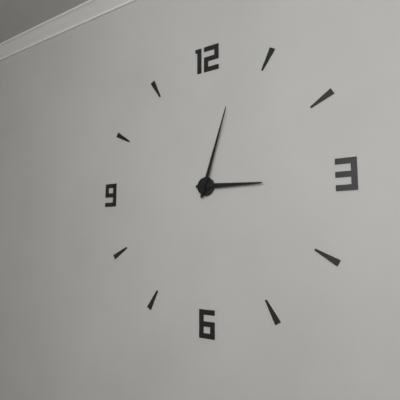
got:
3:03
